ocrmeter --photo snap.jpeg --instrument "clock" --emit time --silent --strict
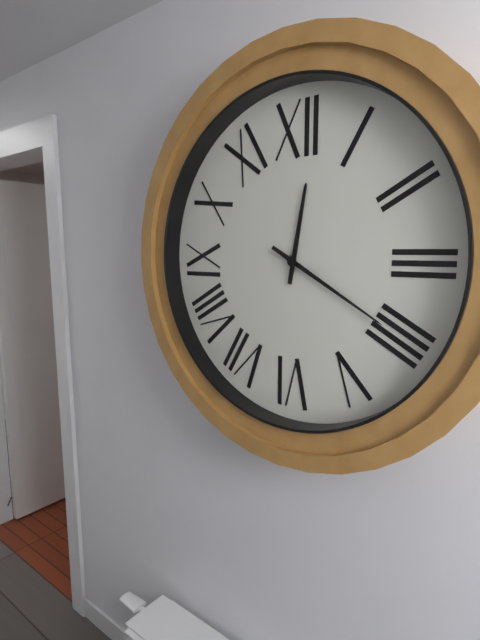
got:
12:20
